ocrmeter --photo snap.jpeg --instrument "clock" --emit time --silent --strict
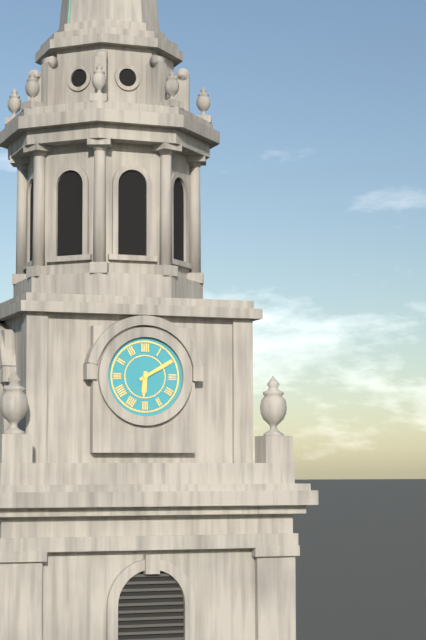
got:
6:10
